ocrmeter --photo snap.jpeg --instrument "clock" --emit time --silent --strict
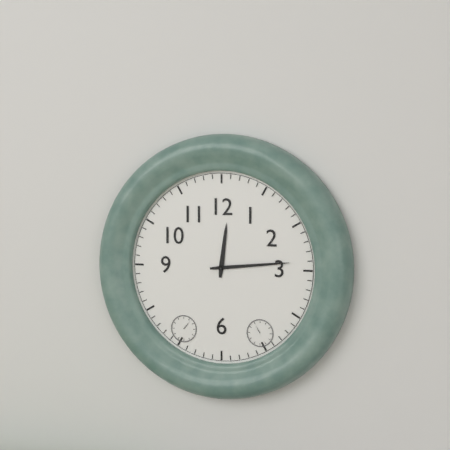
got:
12:14
